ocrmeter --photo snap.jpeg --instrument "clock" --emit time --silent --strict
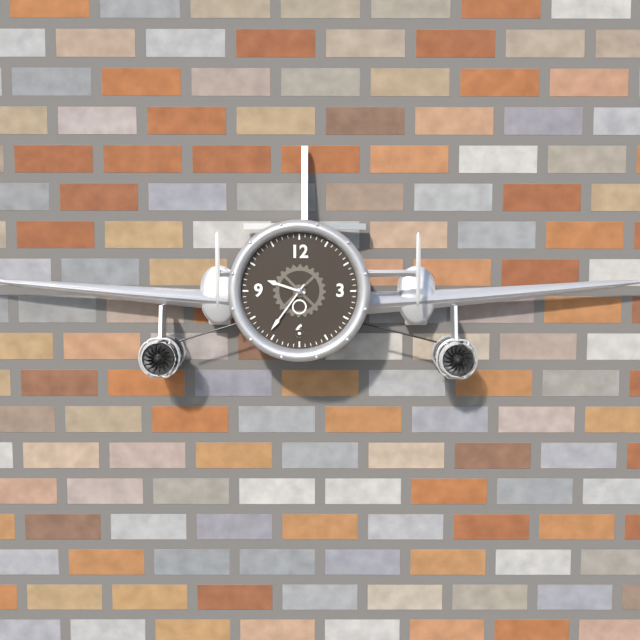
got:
9:36
